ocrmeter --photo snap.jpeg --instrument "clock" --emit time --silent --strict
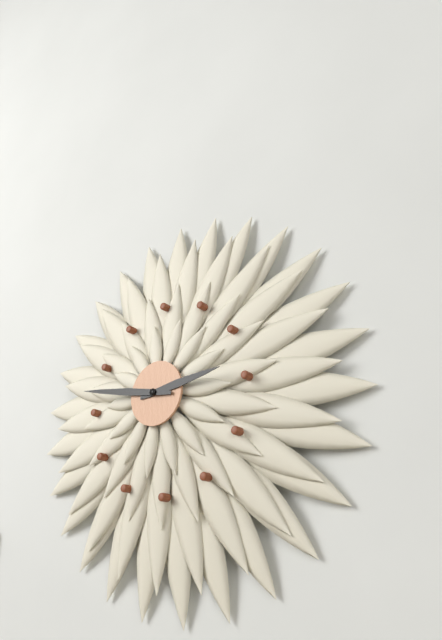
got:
2:47
